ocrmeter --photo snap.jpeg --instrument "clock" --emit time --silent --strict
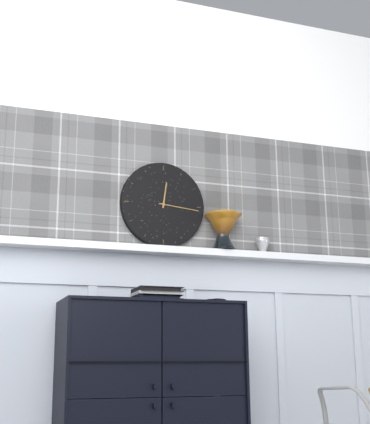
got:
12:16
